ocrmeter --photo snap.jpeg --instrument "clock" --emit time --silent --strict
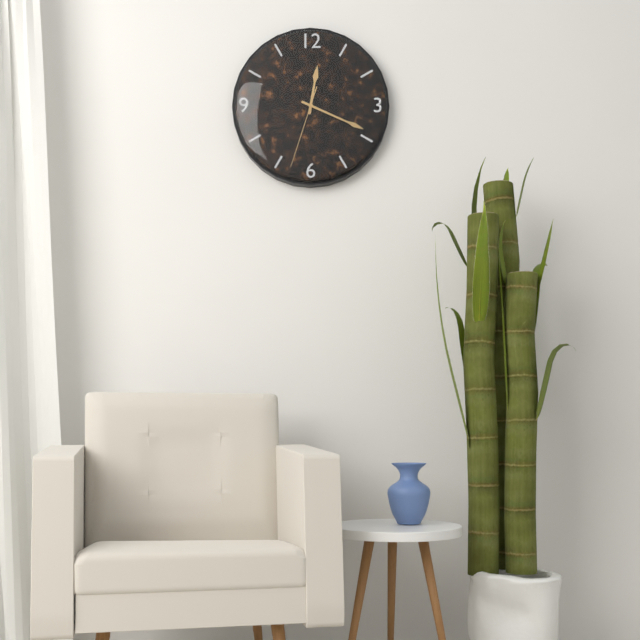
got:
12:19:33
